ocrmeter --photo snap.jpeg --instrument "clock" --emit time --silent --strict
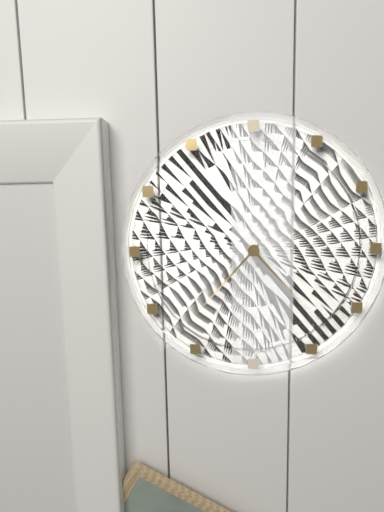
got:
4:37
